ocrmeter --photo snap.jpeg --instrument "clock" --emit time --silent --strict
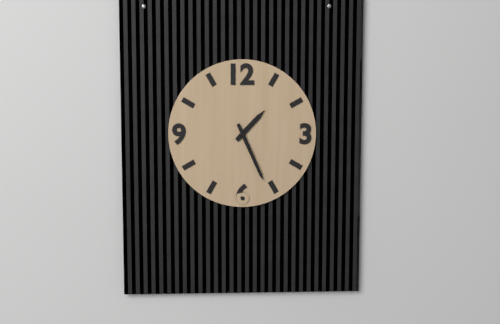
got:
1:26
